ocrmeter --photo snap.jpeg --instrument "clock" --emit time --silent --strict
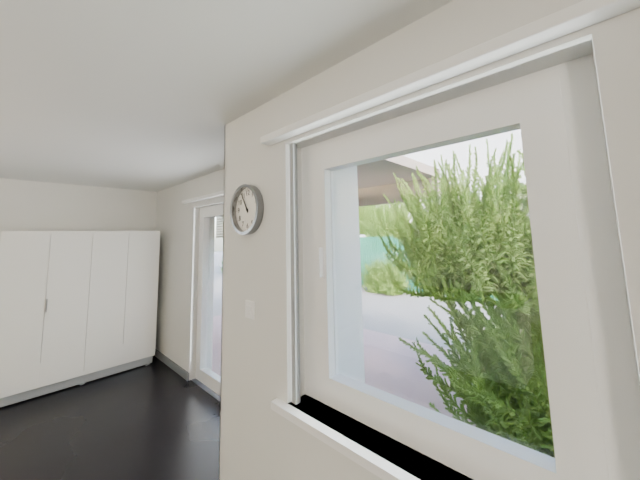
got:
10:55
